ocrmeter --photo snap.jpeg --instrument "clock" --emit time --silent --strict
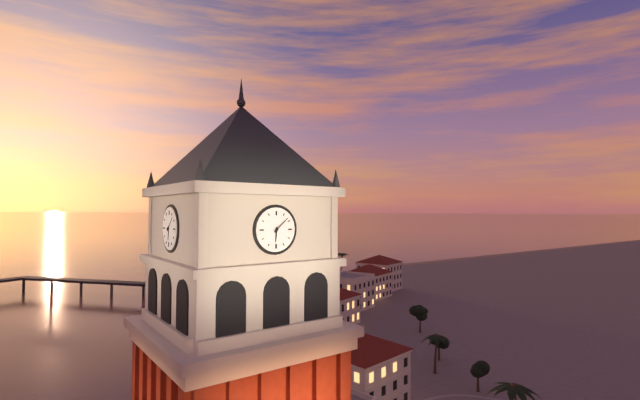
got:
6:08
